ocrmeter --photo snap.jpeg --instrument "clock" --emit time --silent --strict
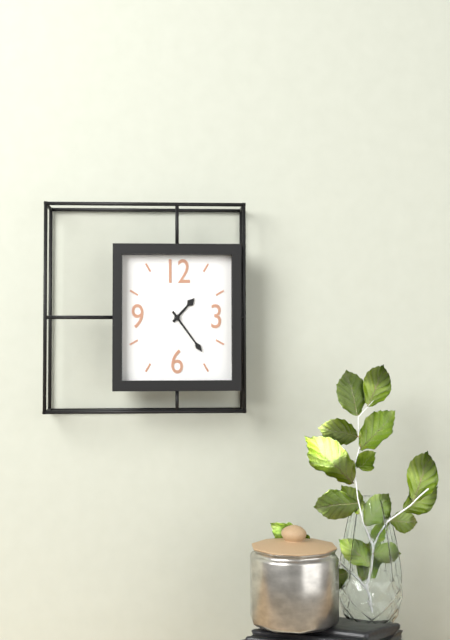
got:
1:24
